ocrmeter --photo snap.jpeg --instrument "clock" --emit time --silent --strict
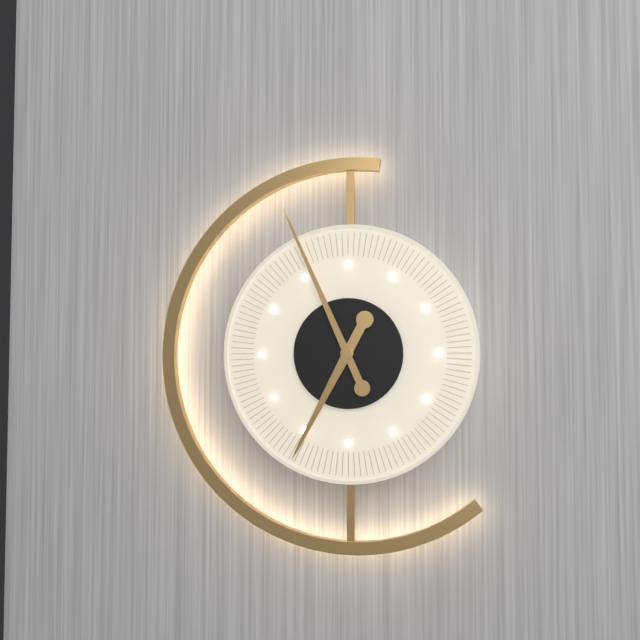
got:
6:56
